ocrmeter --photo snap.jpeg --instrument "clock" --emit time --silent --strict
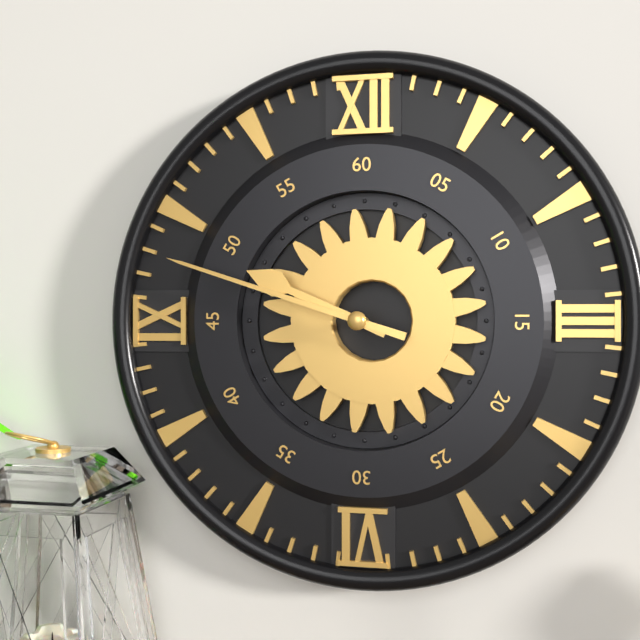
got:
9:48
